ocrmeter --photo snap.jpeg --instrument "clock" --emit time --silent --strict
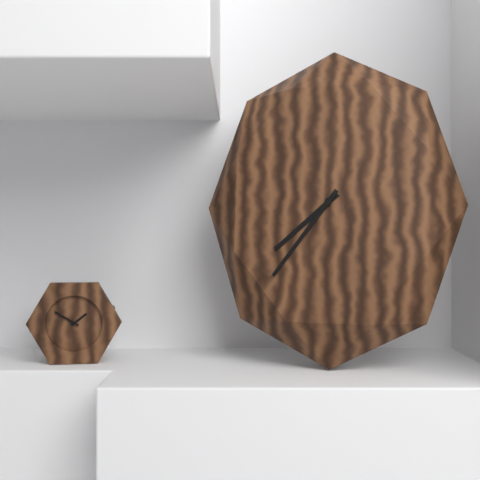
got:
7:36
